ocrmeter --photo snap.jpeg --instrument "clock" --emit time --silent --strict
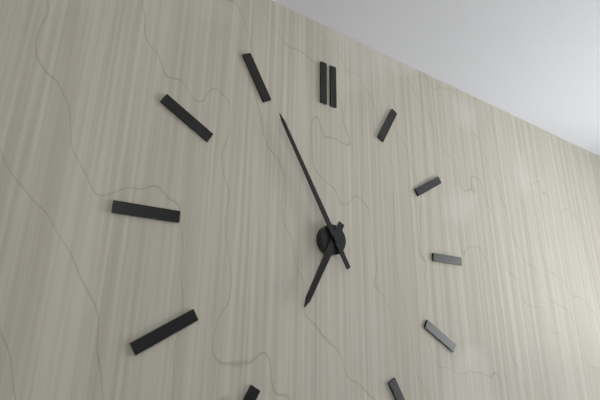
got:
6:55
